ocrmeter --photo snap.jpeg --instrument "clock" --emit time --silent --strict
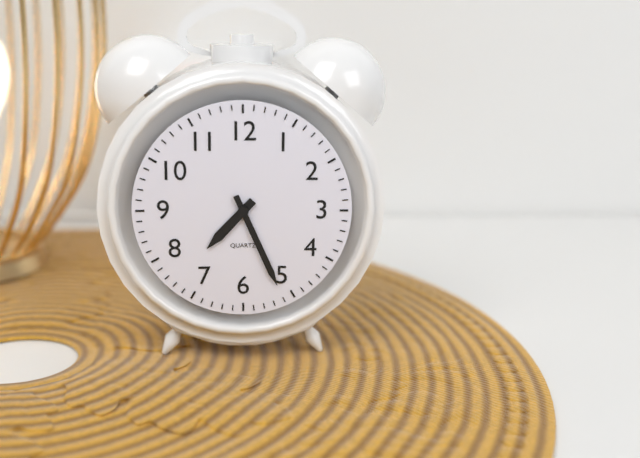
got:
7:26
